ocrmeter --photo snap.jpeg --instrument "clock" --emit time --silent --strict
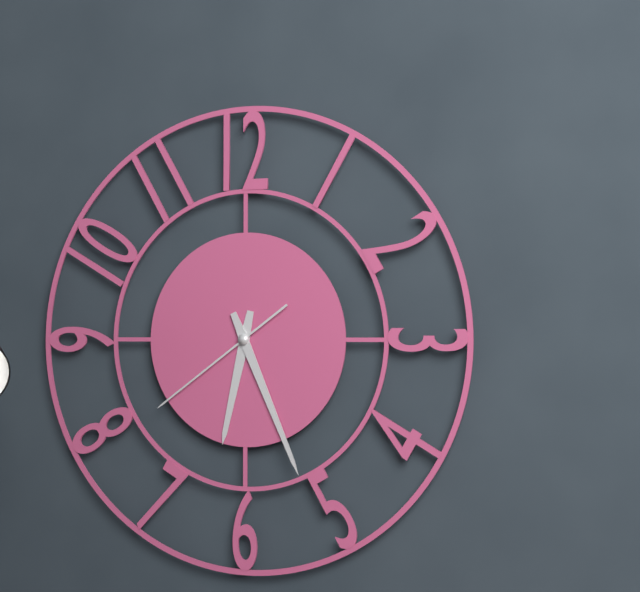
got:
6:26:39
